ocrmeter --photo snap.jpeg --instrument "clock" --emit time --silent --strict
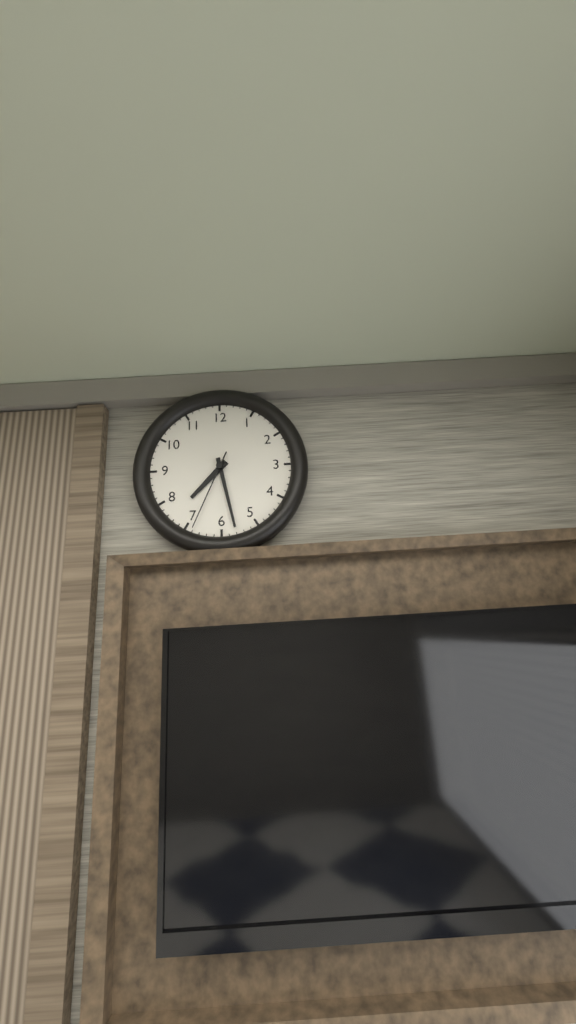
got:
7:28:34
